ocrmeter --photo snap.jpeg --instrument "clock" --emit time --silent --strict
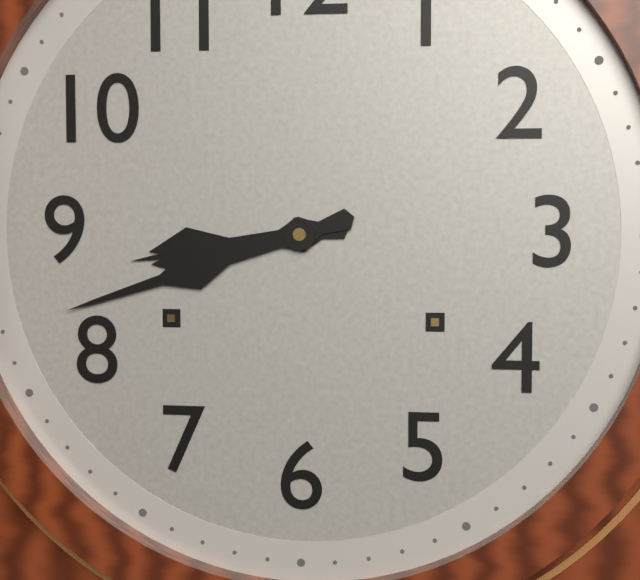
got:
8:42
